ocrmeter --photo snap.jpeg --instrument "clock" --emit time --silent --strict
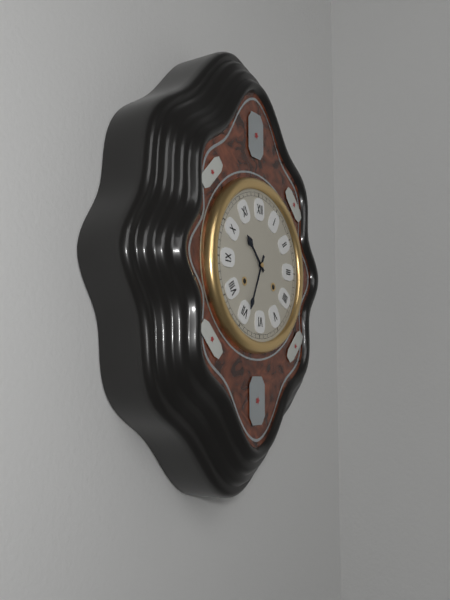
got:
10:34
